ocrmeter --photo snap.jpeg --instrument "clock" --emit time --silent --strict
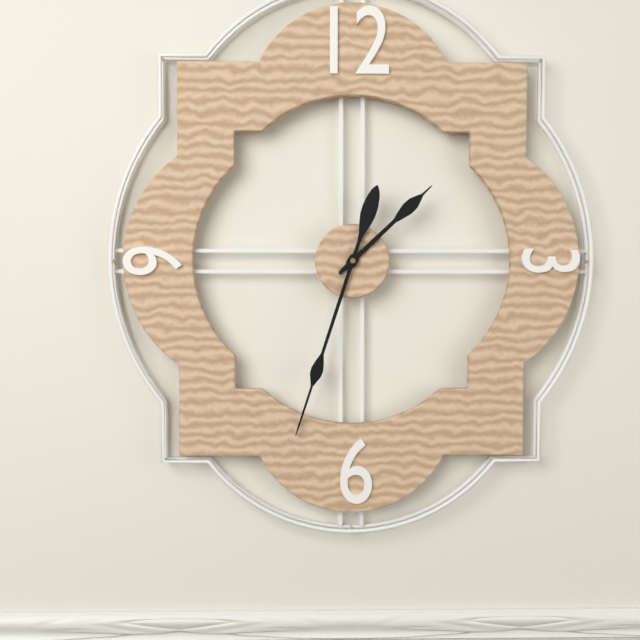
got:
1:33
